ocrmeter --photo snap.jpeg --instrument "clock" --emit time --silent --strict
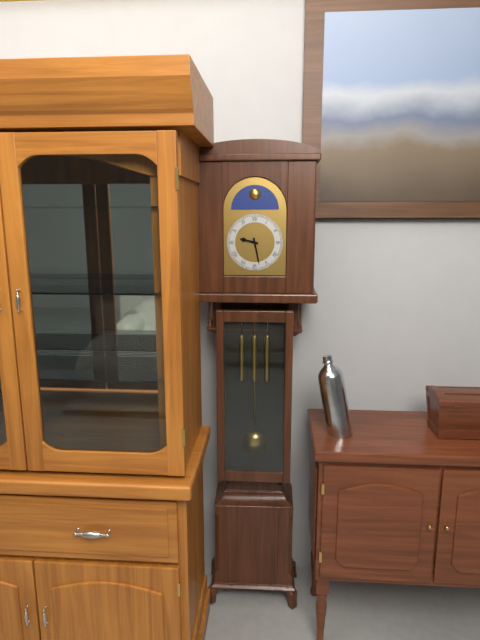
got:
9:28
